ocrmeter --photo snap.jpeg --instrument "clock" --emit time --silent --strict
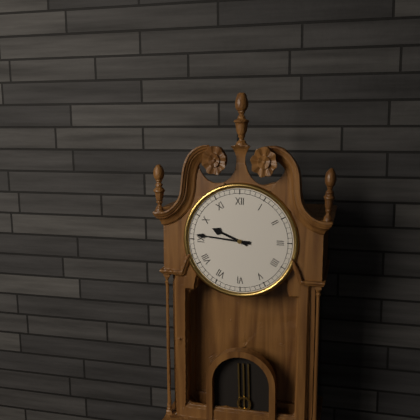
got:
9:46
